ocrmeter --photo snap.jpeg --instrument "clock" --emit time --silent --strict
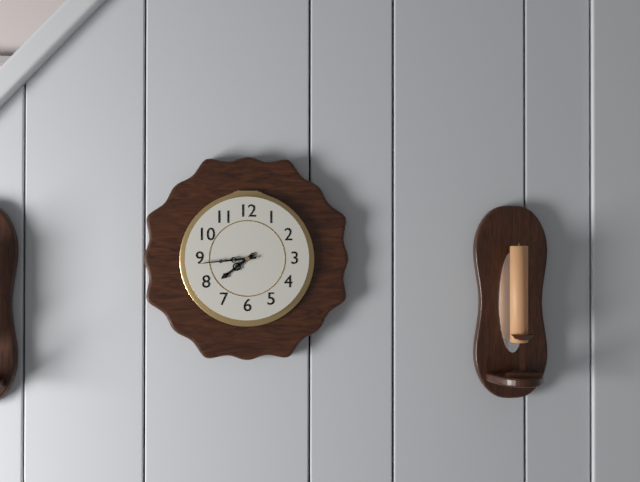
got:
7:44
